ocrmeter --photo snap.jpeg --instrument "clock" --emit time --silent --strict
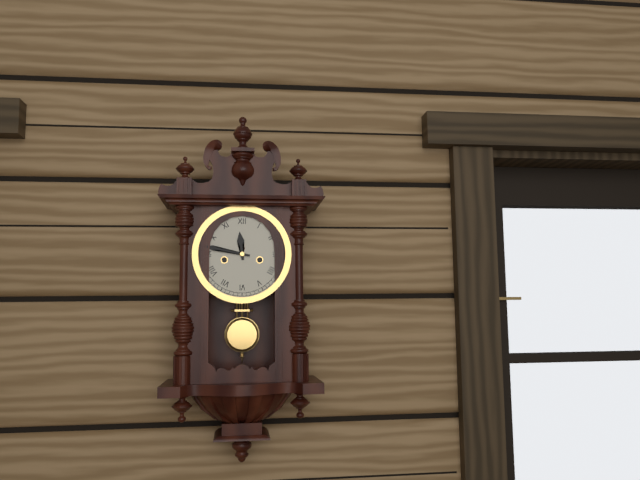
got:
11:47
